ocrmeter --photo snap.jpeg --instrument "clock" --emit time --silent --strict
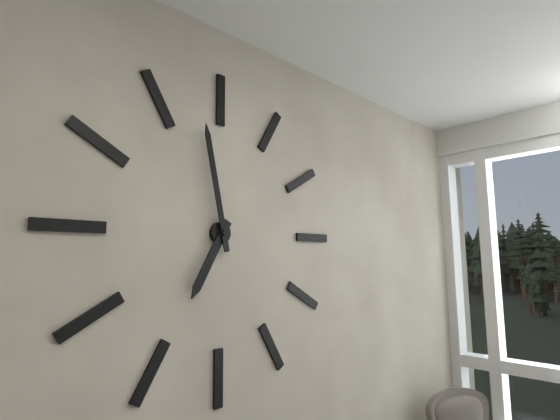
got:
6:58
